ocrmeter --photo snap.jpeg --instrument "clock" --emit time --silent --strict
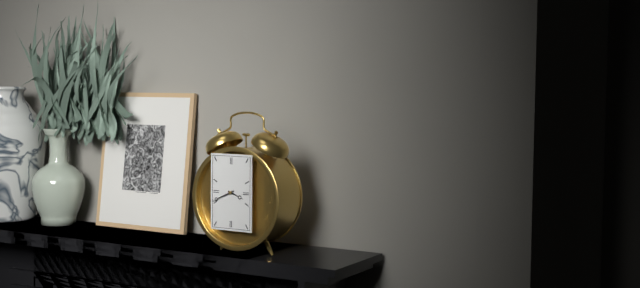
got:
3:41
